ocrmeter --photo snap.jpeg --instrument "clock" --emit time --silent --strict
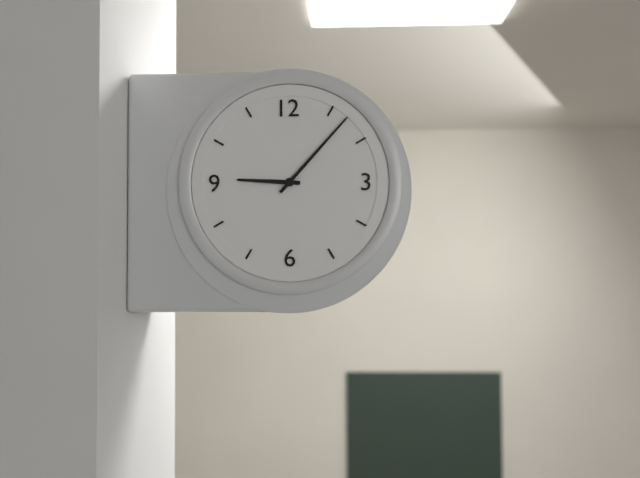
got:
9:07
